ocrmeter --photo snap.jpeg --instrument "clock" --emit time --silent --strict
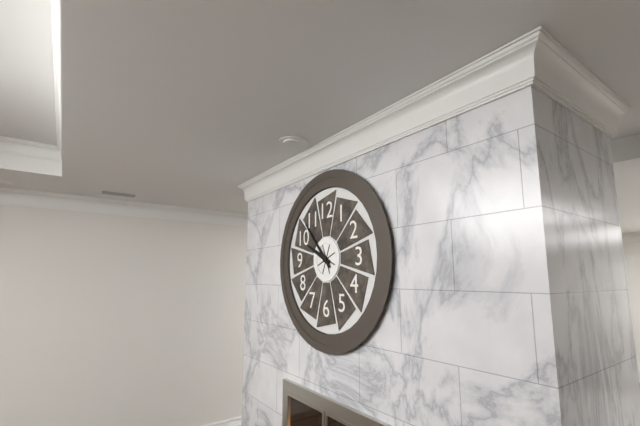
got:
9:53
